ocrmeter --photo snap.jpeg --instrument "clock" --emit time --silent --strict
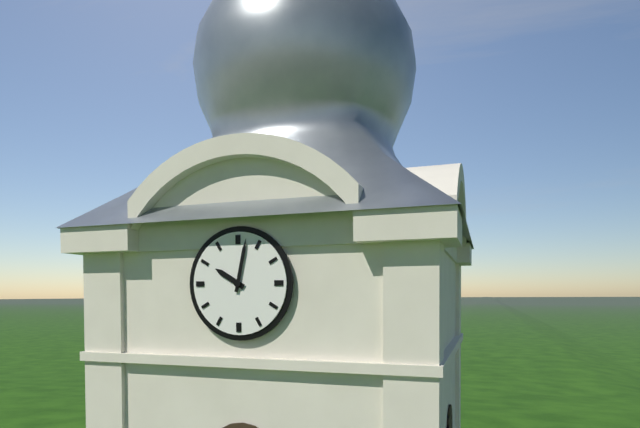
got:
10:02
